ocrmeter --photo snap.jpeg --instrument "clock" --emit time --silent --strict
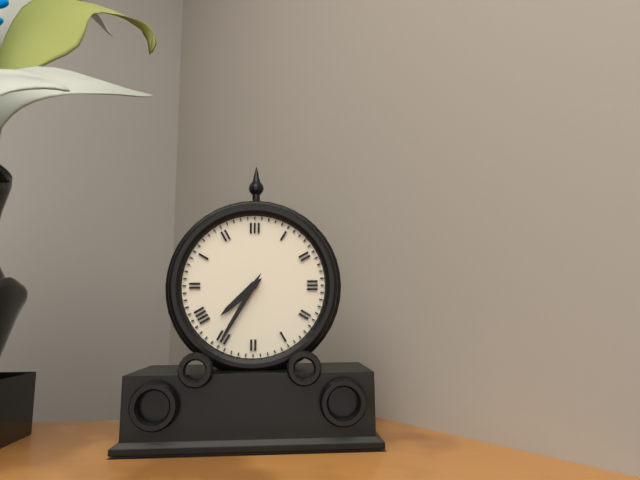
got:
7:35
